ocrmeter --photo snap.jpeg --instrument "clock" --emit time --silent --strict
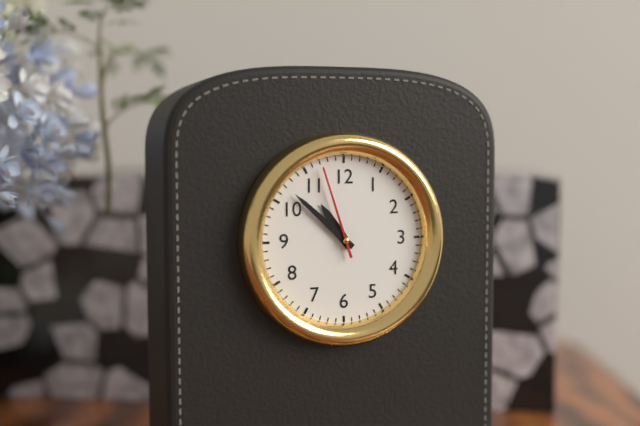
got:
10:52:57
